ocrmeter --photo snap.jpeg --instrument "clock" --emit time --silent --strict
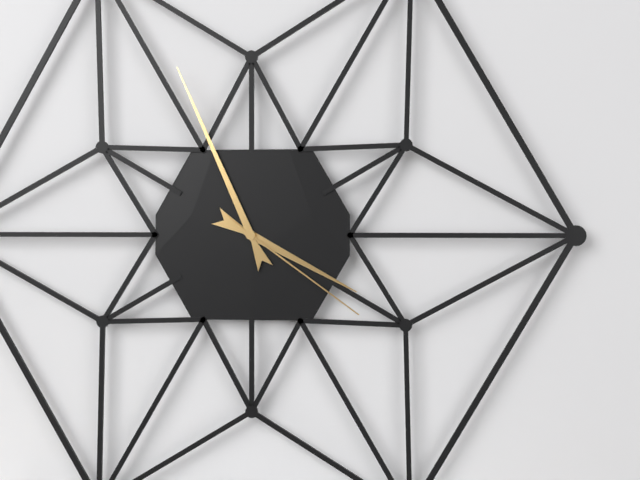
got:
3:56:21
